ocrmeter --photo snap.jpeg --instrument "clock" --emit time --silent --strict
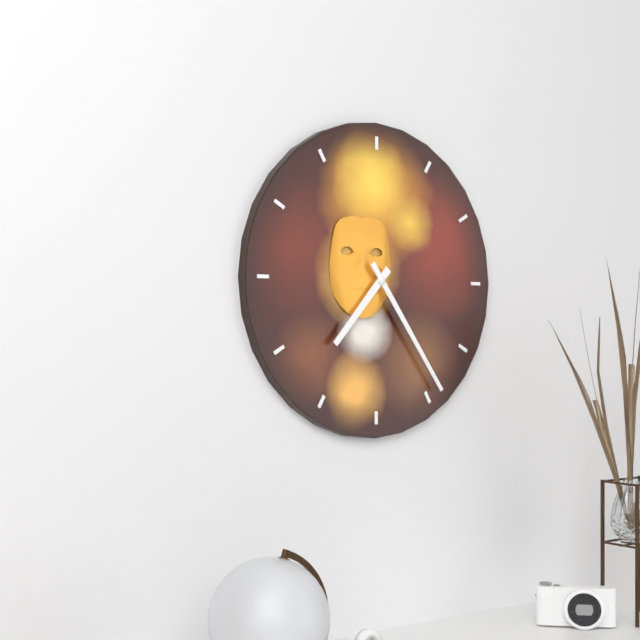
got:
7:24
